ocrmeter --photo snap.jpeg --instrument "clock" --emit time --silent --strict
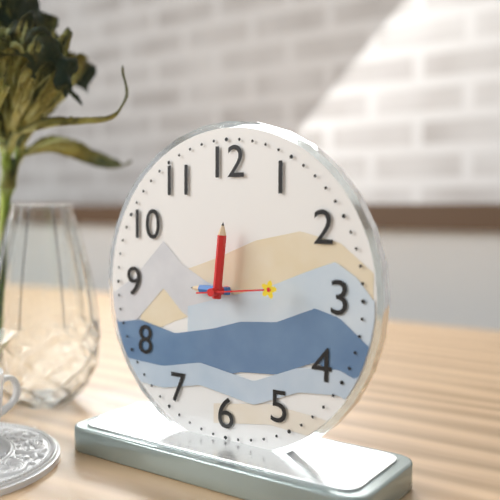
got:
9:01:14
